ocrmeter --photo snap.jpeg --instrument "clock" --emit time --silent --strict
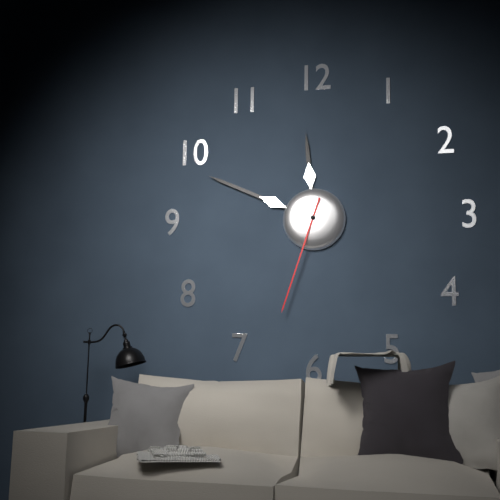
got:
11:49:33
